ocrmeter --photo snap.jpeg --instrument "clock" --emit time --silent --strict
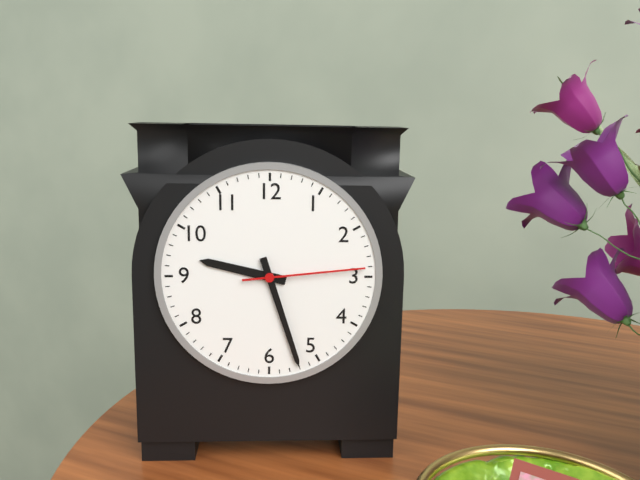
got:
9:27:14
